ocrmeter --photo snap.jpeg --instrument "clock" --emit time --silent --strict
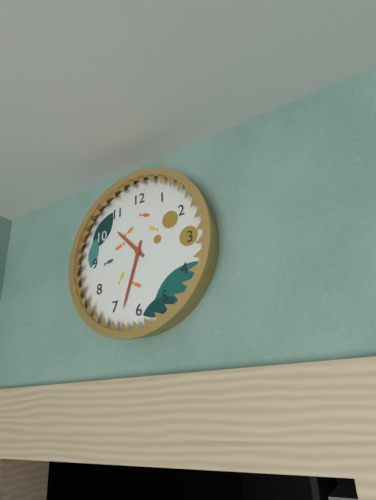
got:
10:33
